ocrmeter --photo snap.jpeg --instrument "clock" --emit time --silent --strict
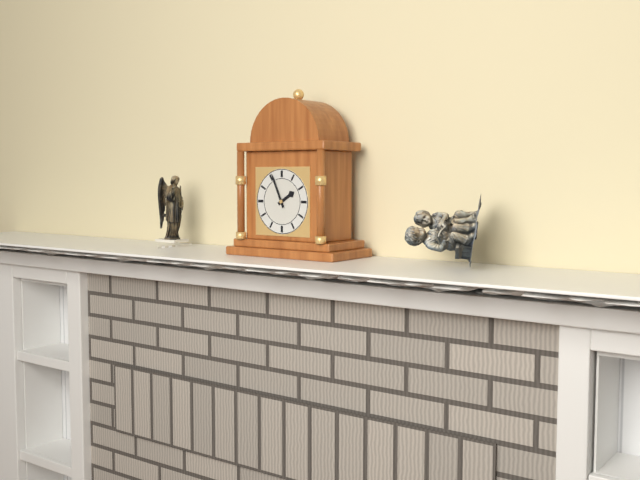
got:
1:56
